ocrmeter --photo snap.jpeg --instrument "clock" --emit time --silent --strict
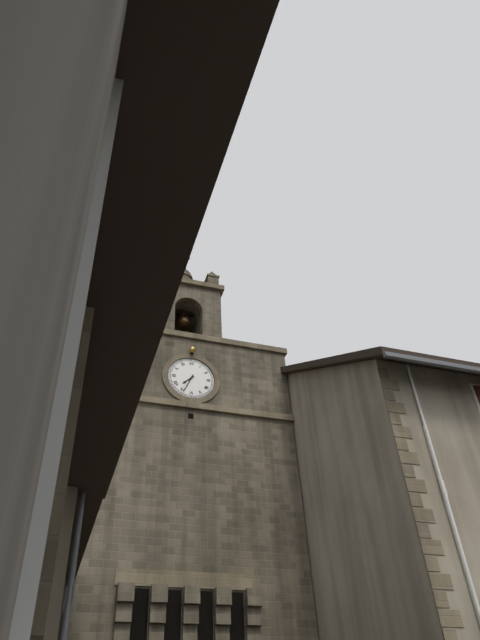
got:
7:34
